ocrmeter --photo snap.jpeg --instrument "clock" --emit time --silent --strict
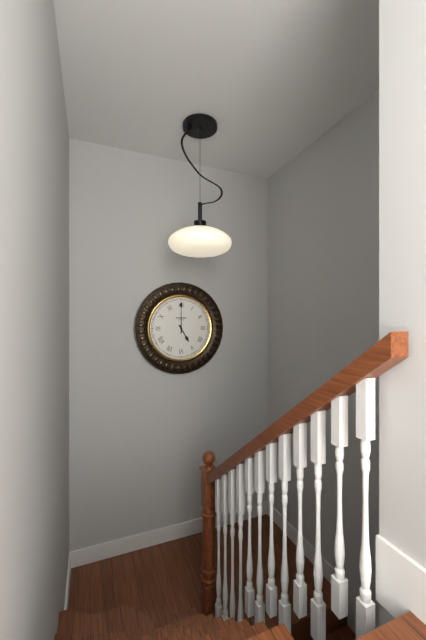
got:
5:00
